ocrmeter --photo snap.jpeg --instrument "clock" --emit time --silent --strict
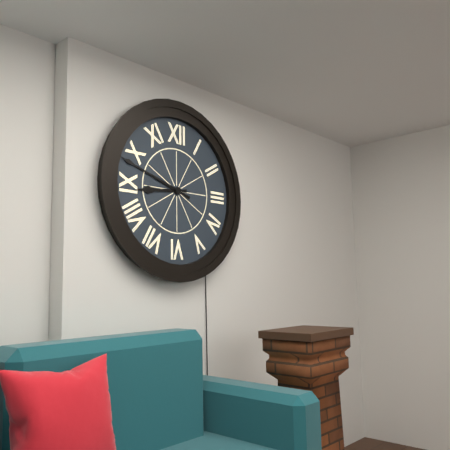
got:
8:48
